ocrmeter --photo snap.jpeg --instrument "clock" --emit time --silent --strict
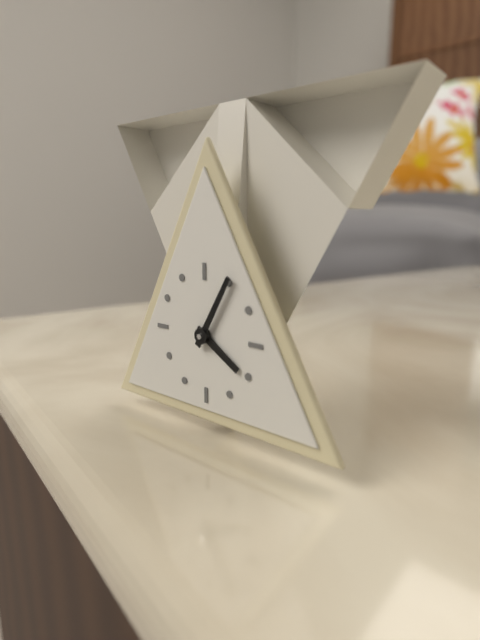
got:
4:05
